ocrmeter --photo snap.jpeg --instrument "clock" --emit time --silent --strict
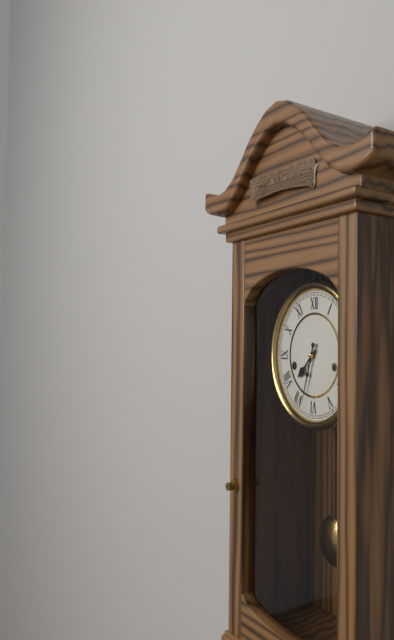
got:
7:33
